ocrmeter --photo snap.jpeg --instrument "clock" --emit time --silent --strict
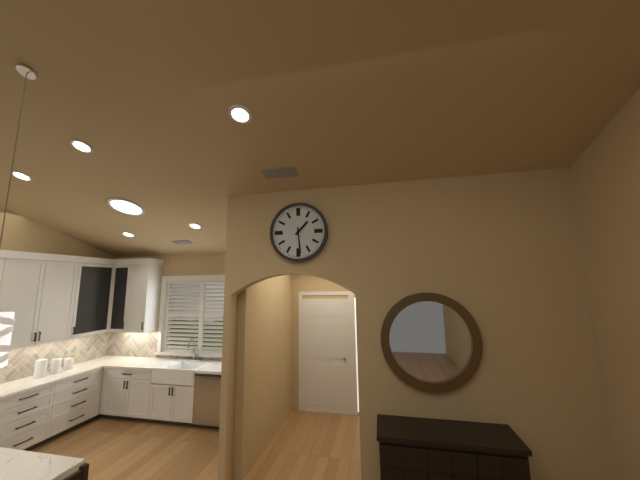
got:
1:29
